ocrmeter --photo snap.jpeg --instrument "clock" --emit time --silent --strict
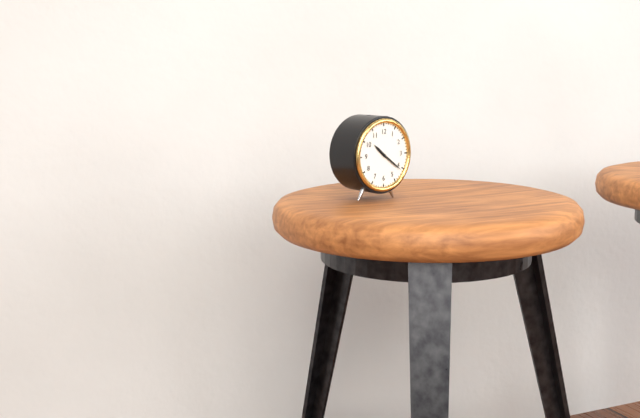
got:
10:21
